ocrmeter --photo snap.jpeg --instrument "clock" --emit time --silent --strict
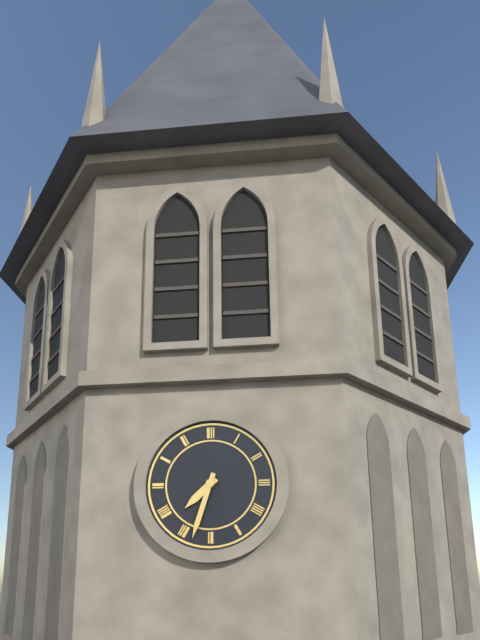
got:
7:33
